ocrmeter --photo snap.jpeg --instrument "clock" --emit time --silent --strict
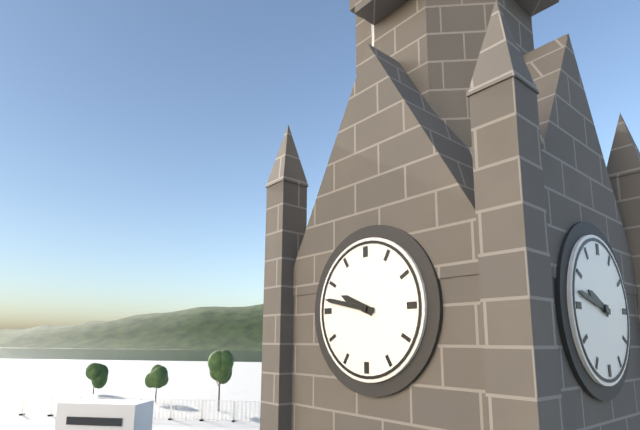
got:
9:47
